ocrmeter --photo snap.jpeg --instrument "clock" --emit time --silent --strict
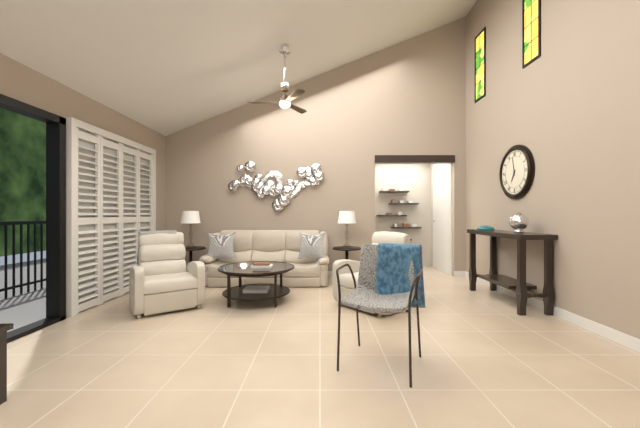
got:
6:58
